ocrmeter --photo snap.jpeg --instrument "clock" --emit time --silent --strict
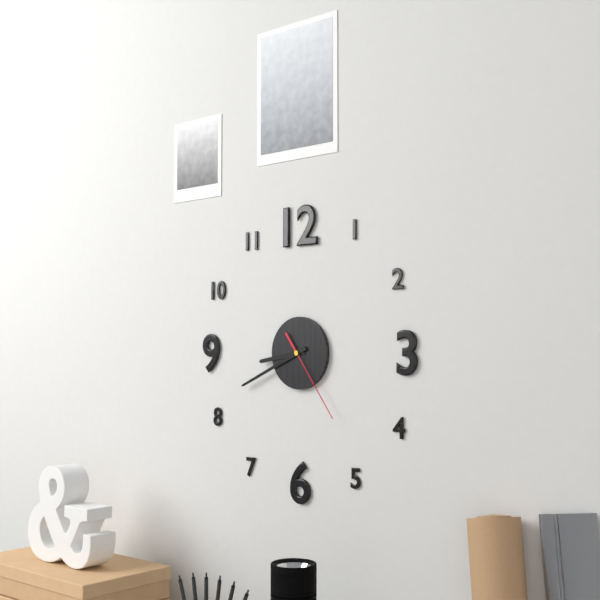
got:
8:41:24
